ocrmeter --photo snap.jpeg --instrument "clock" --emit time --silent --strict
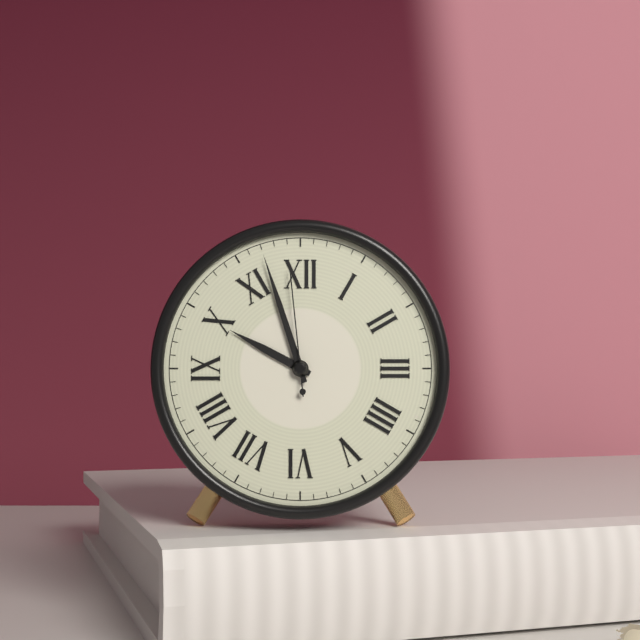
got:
9:57:59
